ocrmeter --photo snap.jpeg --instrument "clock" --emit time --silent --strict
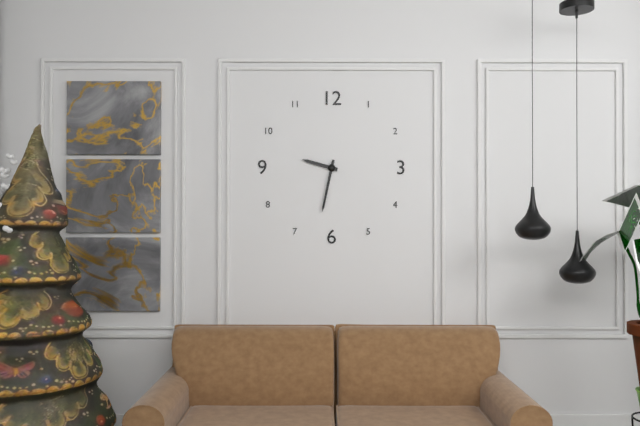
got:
9:32
